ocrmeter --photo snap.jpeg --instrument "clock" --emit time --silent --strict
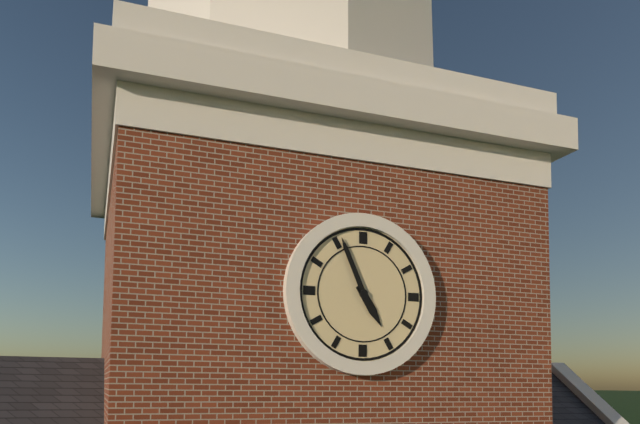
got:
4:56
